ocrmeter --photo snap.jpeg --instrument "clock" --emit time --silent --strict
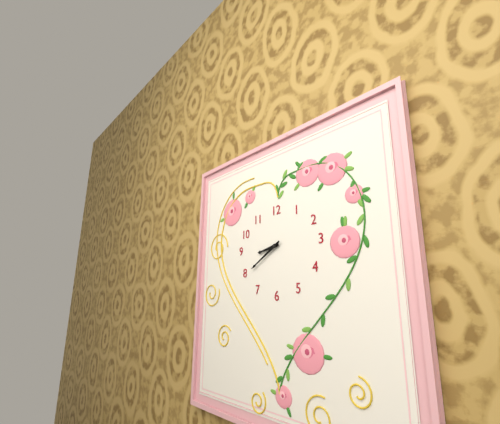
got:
8:40
